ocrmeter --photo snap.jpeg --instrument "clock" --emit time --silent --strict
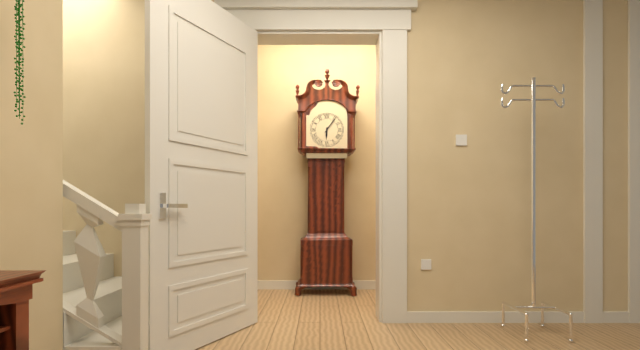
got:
6:06
